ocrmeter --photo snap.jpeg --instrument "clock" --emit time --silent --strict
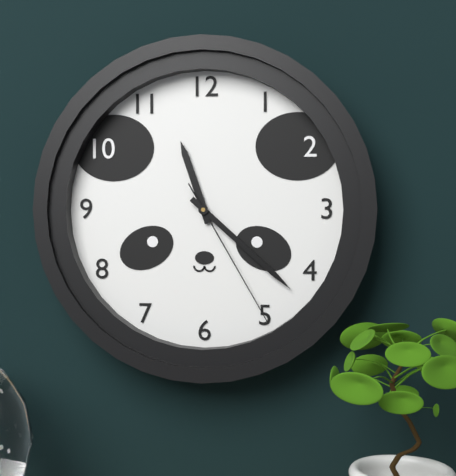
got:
11:22:25
